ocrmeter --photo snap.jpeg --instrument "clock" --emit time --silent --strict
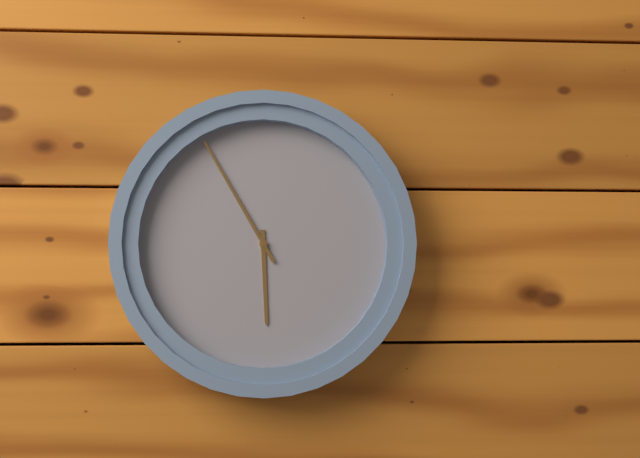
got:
5:55
